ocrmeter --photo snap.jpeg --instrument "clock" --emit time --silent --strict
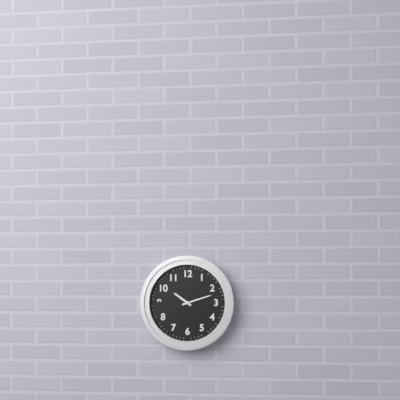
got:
10:12
